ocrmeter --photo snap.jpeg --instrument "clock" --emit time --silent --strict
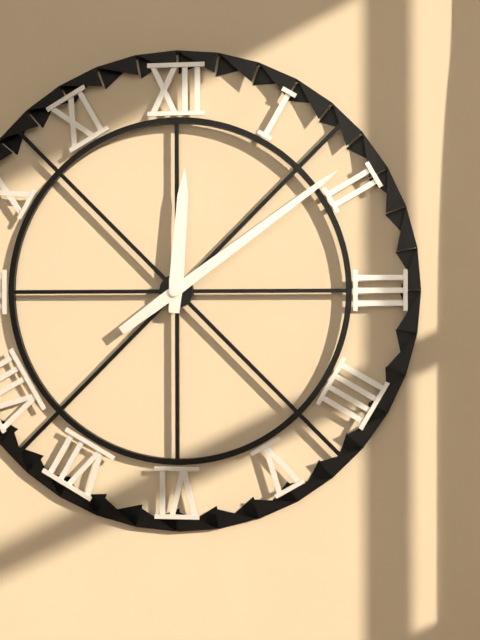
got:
12:09
